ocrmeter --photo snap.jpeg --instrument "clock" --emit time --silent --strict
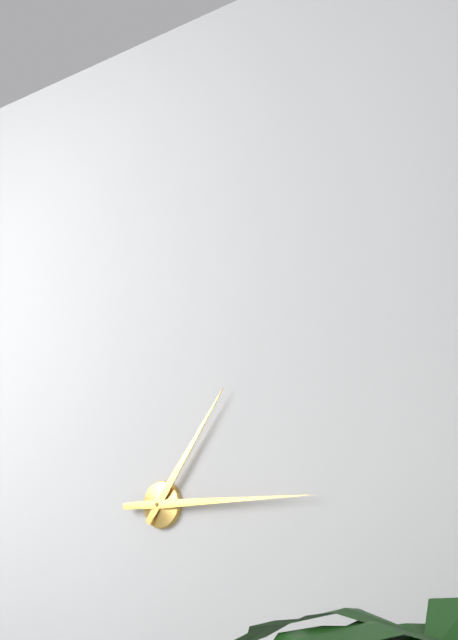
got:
1:15
